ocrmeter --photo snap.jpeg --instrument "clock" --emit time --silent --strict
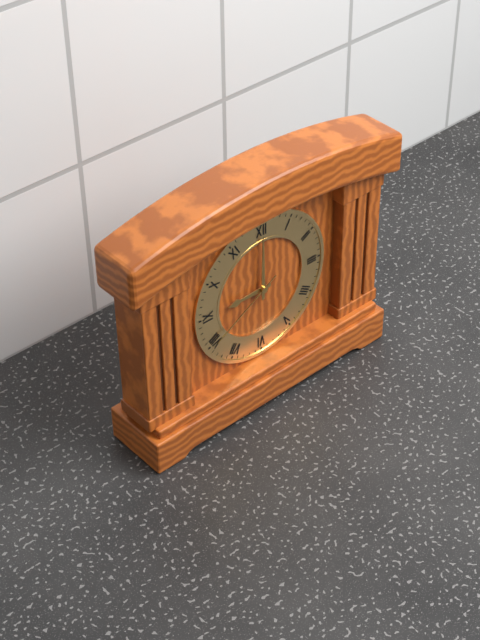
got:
9:00:40
